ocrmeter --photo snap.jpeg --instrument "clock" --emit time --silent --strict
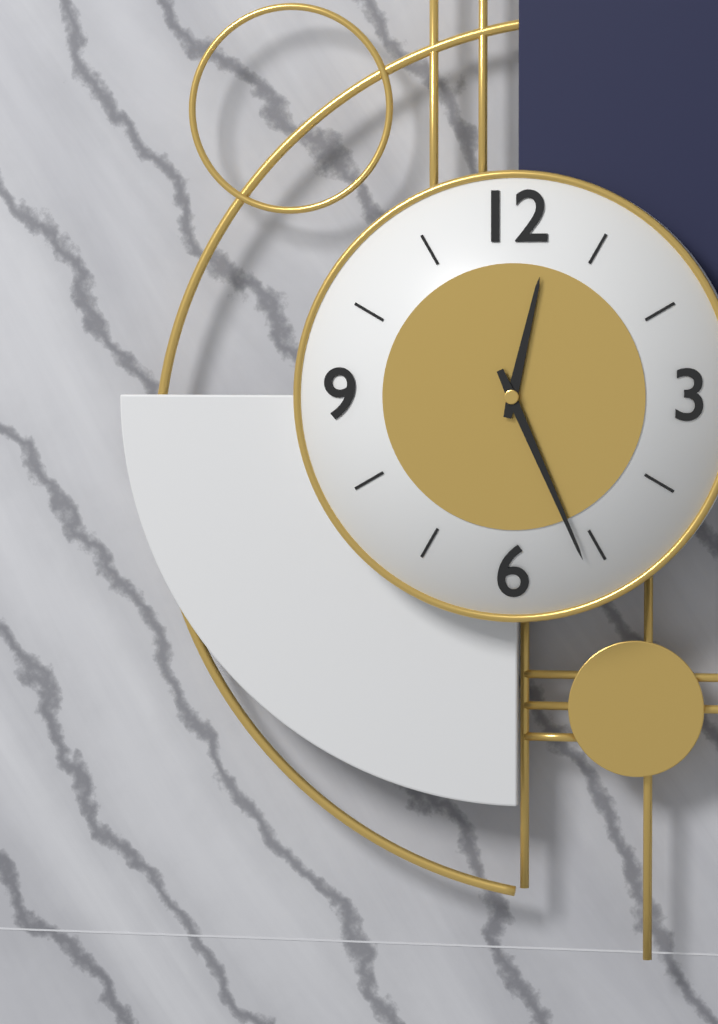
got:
12:26
